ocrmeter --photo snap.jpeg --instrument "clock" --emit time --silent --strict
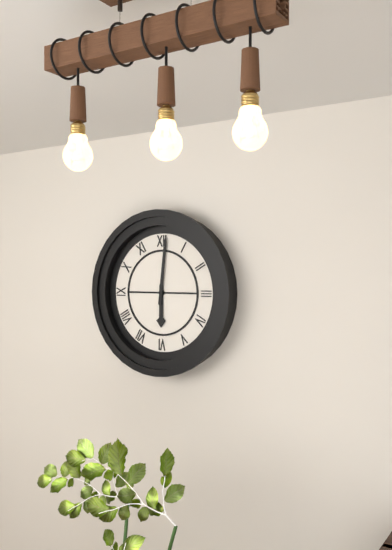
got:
6:01
